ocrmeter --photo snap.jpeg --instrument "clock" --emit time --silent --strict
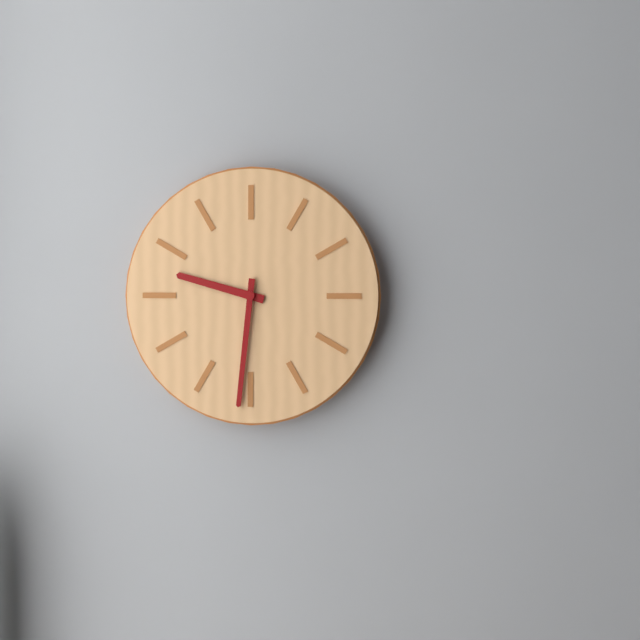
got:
9:31
